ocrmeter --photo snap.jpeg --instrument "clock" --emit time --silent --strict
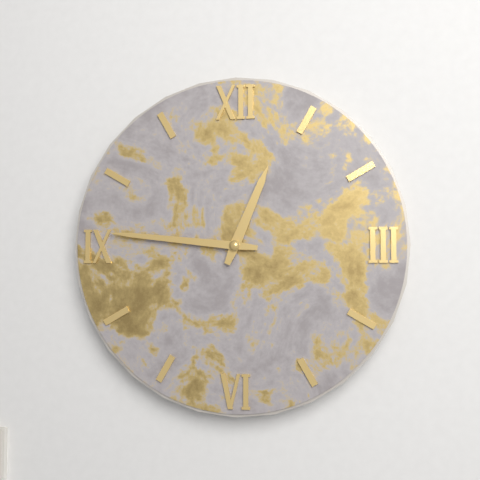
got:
12:46
